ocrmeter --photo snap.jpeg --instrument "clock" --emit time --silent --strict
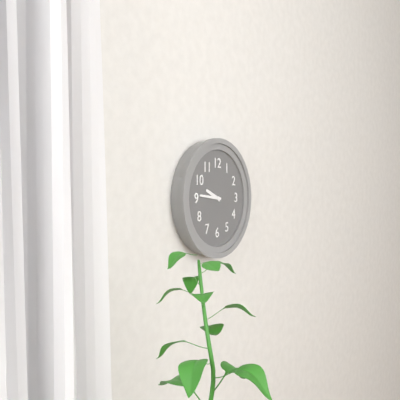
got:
9:46
